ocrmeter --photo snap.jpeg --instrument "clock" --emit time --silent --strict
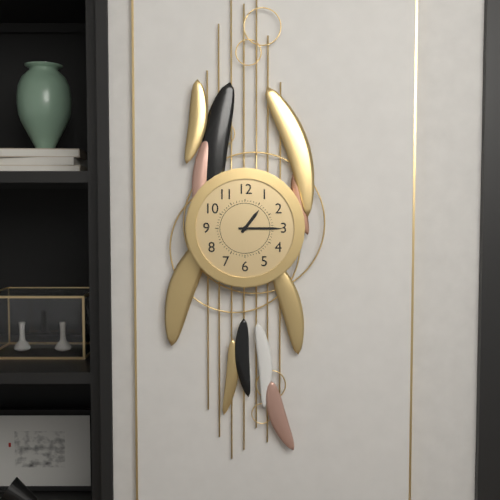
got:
1:15
